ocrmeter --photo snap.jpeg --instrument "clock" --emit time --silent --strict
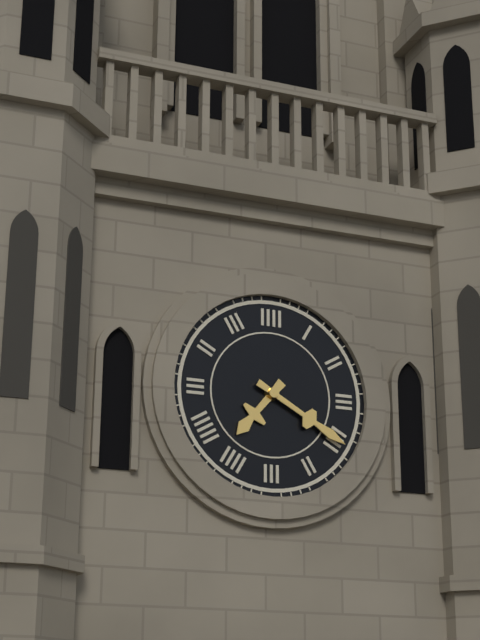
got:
7:20
